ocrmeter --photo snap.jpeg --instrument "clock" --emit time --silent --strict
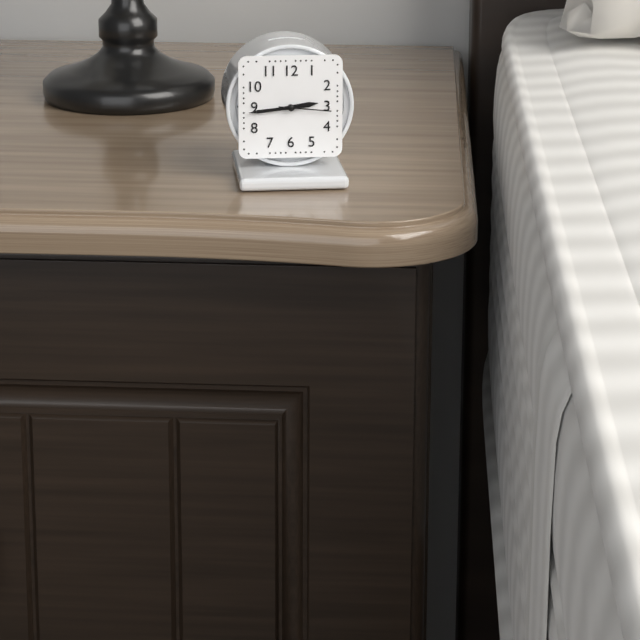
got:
2:44:16
